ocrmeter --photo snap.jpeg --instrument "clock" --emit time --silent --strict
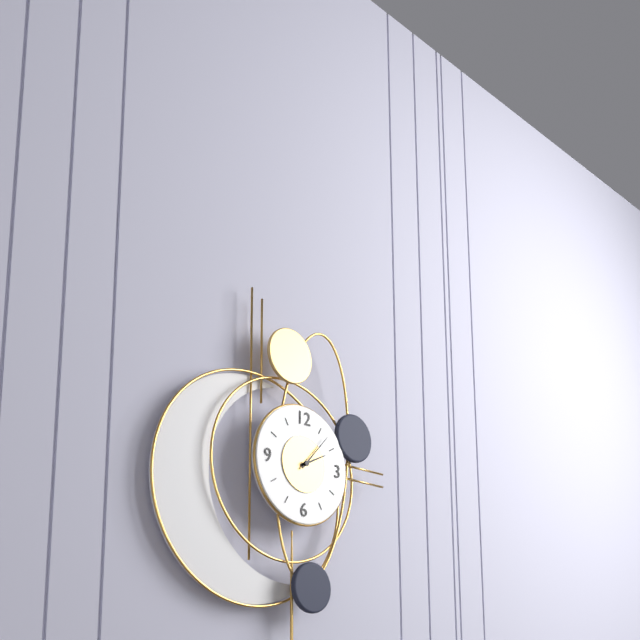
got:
2:07
